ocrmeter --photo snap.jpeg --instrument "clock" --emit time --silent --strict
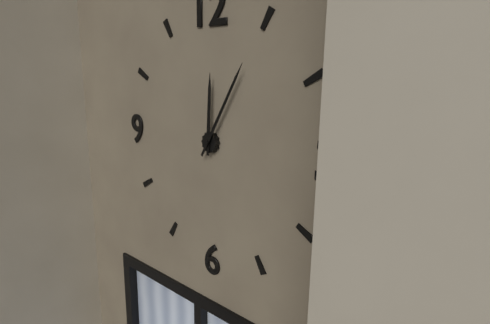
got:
12:05
